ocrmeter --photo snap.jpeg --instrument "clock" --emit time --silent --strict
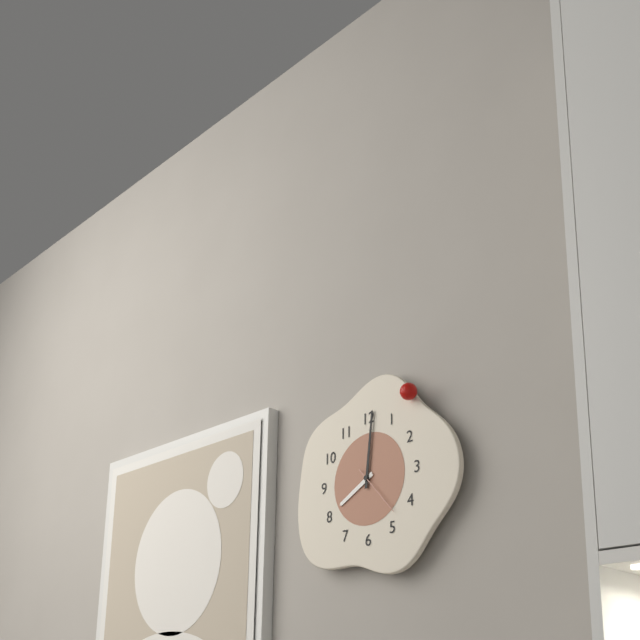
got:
8:01
